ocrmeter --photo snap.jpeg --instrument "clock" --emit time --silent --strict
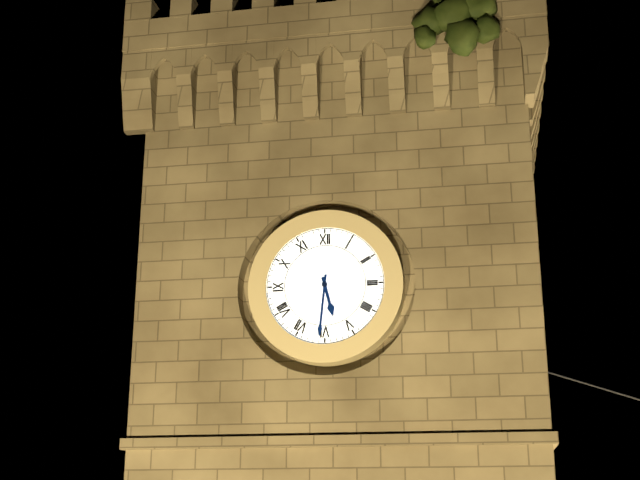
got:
5:31
